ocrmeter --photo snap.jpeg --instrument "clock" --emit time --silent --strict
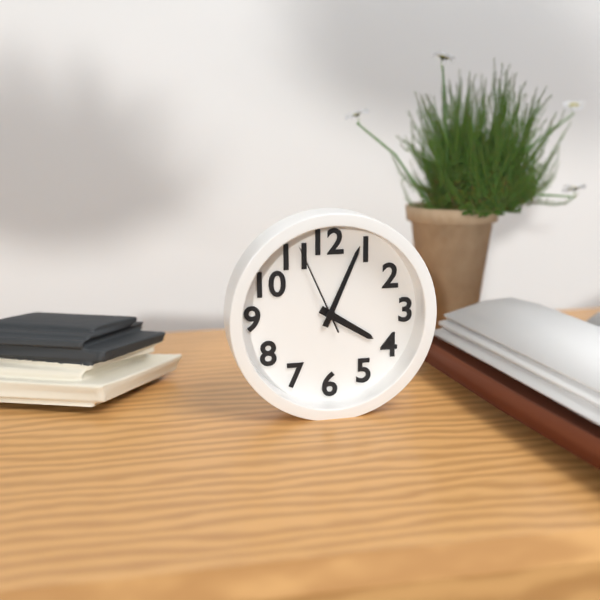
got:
4:04:56
